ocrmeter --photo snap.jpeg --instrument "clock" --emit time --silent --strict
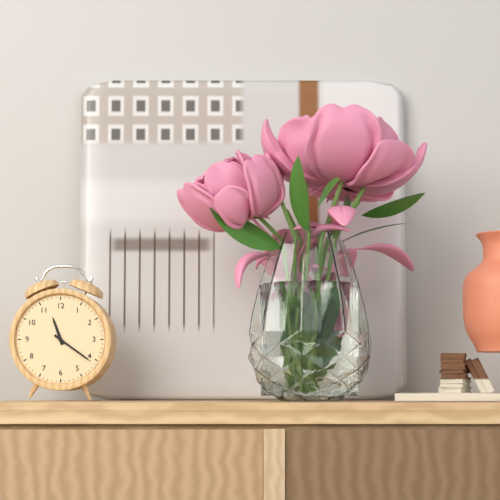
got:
11:21
